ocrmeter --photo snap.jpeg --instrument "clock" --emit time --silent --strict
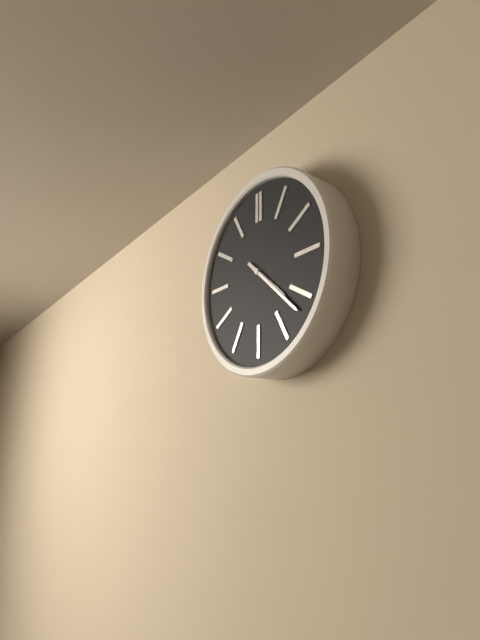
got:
4:22
